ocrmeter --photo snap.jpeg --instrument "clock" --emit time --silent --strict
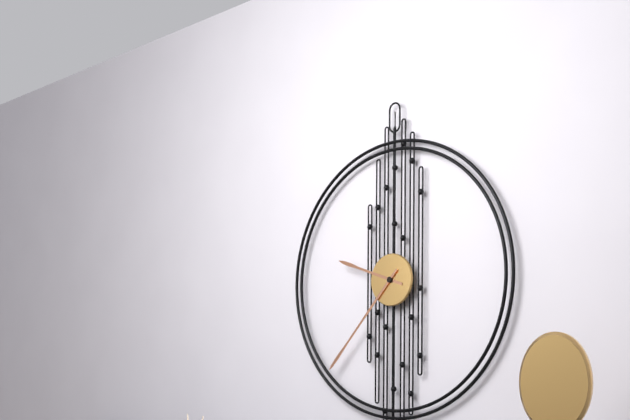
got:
9:37
